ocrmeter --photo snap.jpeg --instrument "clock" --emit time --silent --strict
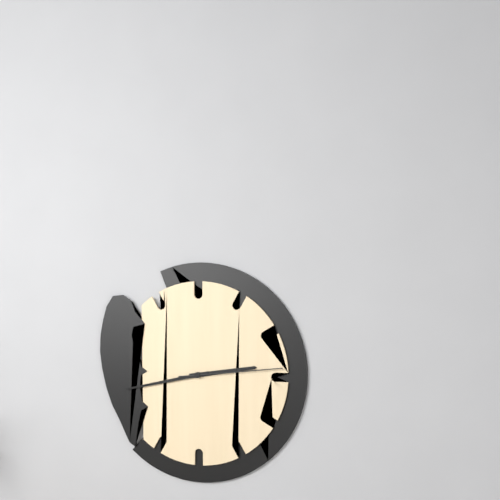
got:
2:43:14
